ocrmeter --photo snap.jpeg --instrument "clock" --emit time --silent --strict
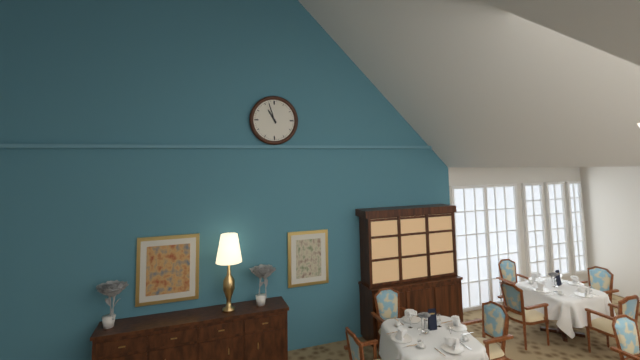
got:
10:57
